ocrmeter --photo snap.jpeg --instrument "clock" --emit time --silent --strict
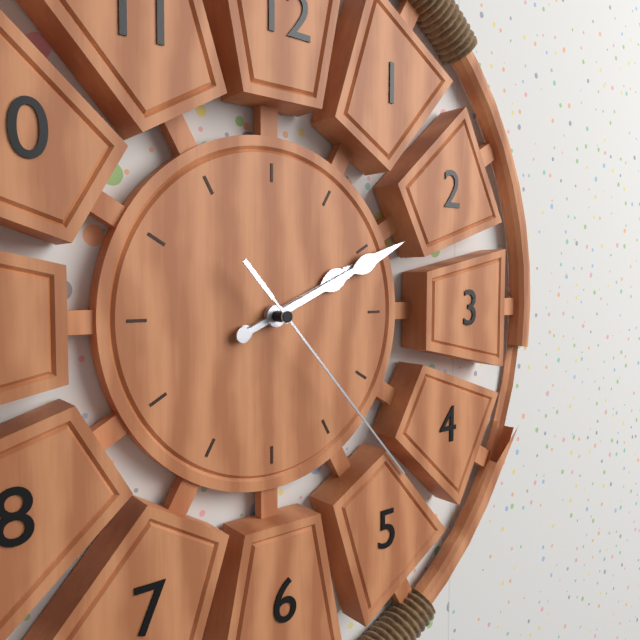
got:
2:11:23
